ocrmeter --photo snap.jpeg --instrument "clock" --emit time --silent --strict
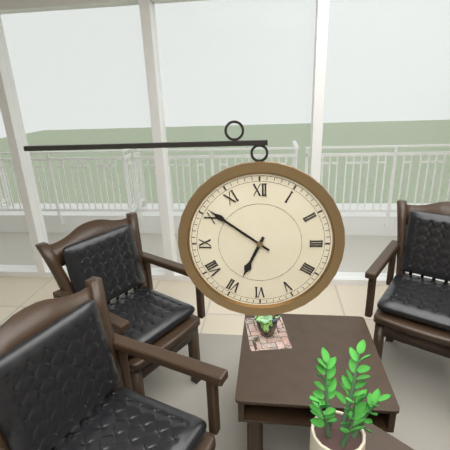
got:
6:51
